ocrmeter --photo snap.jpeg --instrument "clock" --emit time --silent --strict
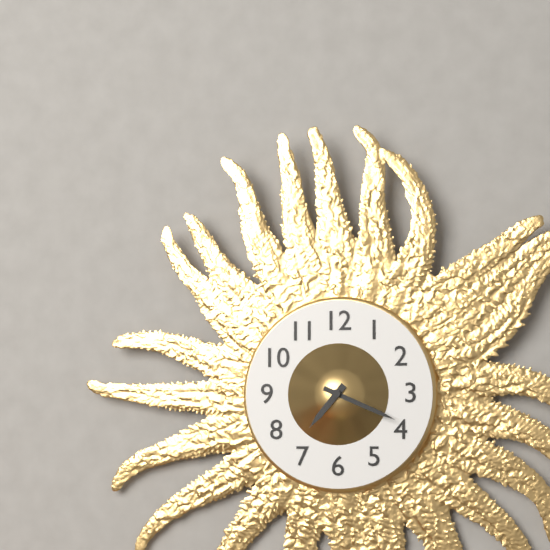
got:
7:19
